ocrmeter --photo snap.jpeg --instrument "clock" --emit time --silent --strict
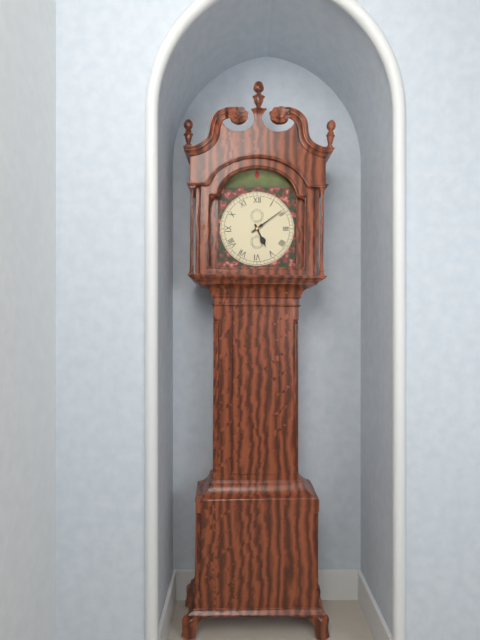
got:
5:09
